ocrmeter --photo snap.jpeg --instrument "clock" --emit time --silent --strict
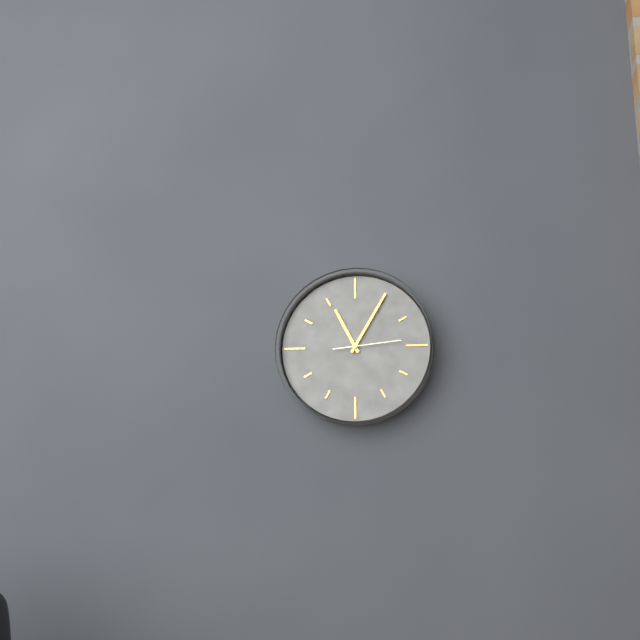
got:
11:05:14
